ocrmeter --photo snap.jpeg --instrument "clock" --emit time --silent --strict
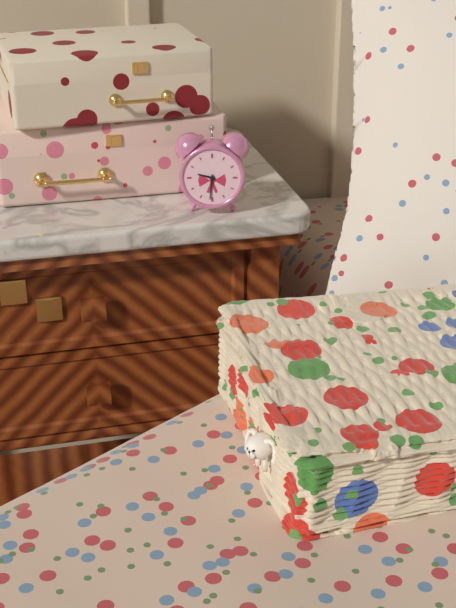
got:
9:31
